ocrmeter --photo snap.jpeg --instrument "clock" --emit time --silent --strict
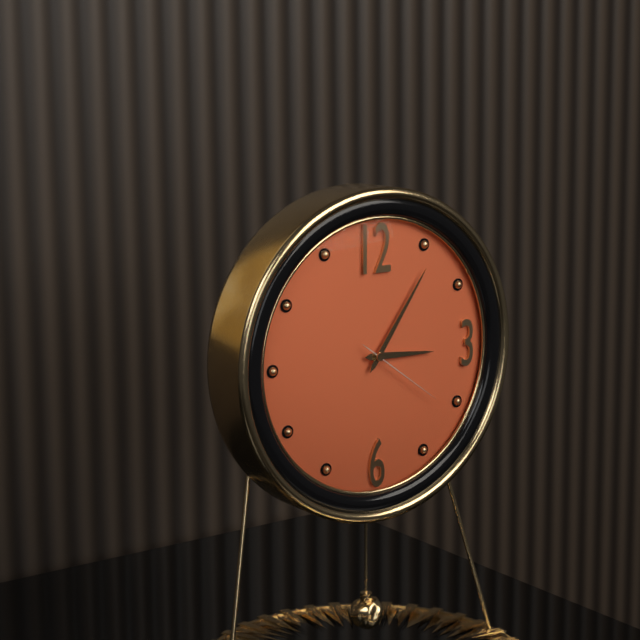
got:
3:06:21
